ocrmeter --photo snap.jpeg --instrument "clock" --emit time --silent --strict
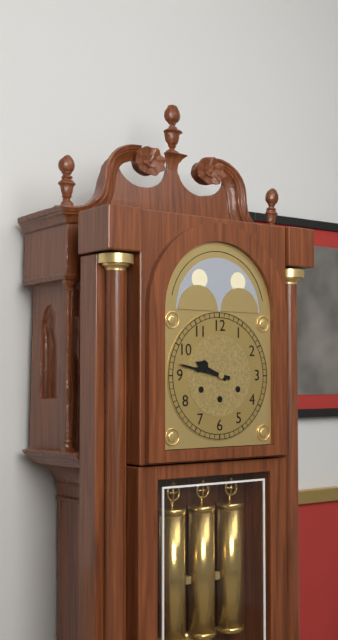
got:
9:47
